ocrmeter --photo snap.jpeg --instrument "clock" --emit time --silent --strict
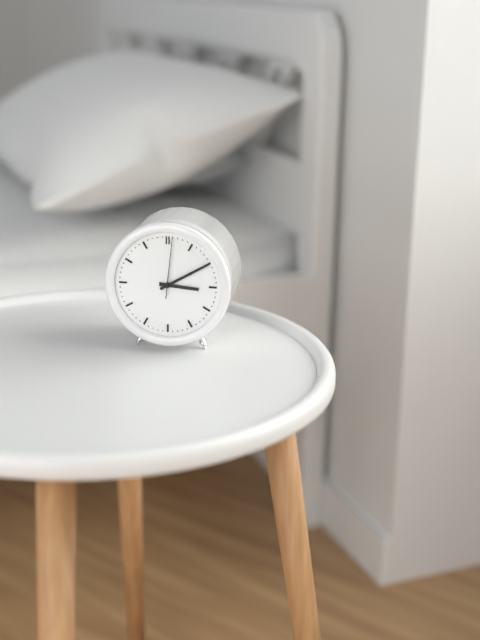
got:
3:10:01
